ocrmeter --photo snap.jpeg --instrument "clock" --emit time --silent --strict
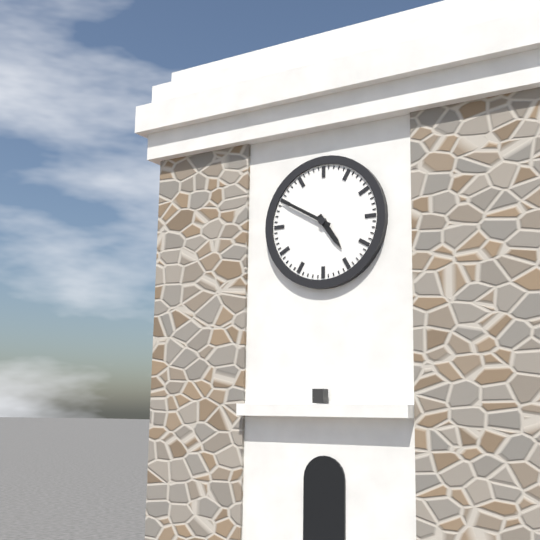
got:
4:50
